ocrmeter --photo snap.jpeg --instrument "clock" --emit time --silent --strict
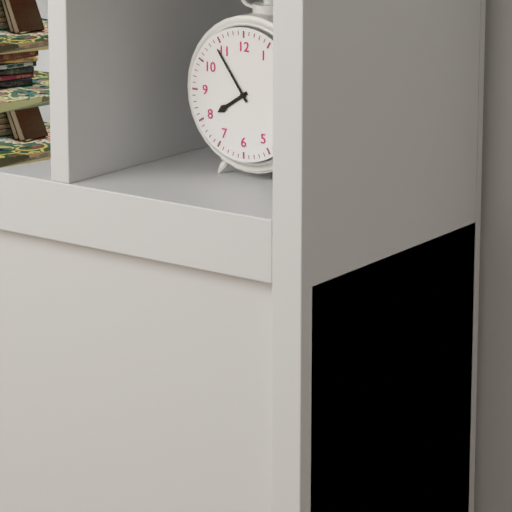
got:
7:54
